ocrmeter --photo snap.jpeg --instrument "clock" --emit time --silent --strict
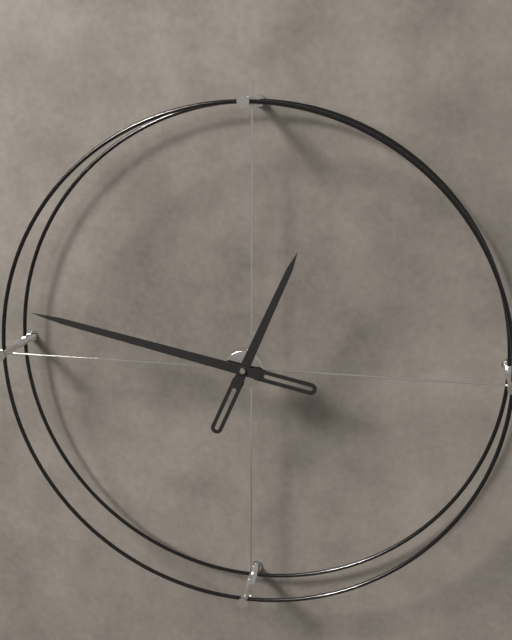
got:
12:47
